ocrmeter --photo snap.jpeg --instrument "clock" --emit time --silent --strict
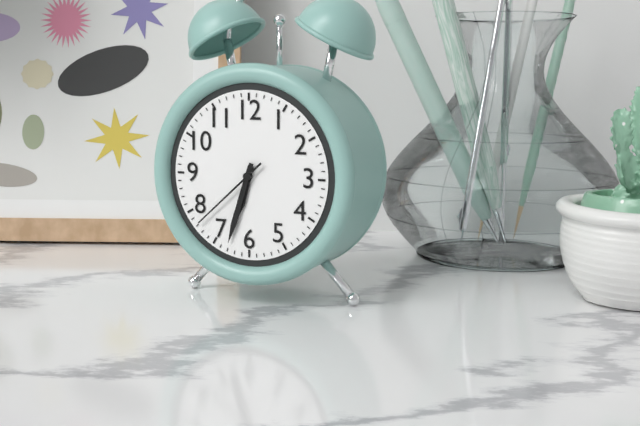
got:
6:33:38
